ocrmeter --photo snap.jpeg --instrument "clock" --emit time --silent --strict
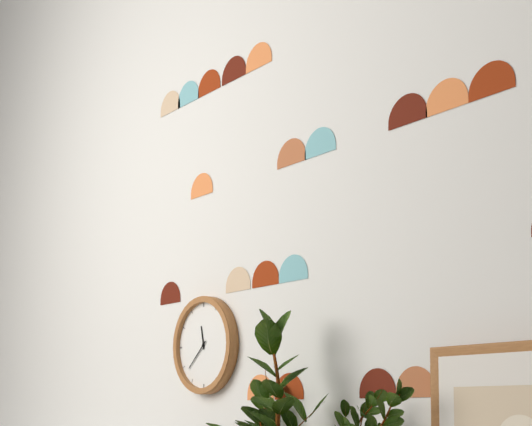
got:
11:38
